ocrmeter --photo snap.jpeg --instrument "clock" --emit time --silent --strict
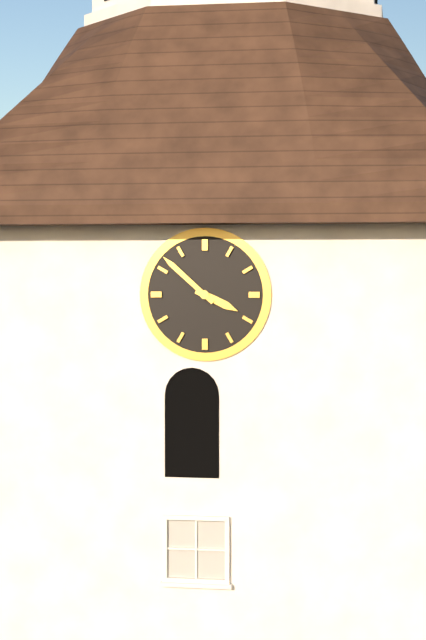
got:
3:52
